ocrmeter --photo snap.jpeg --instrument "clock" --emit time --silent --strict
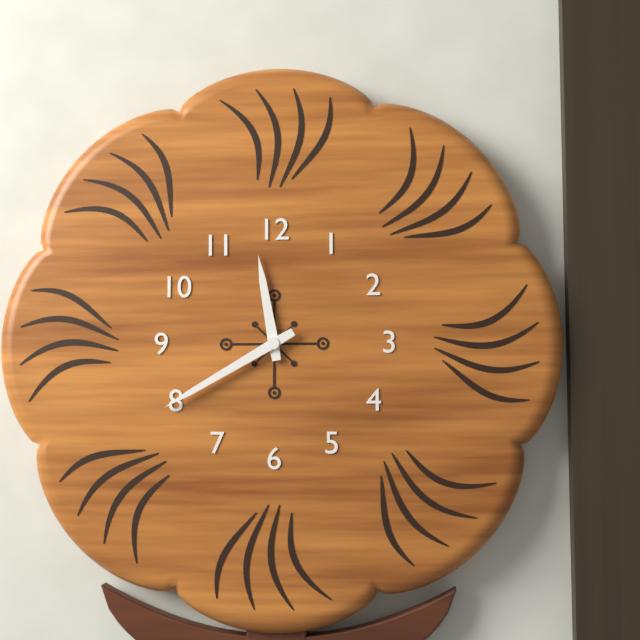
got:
11:40
